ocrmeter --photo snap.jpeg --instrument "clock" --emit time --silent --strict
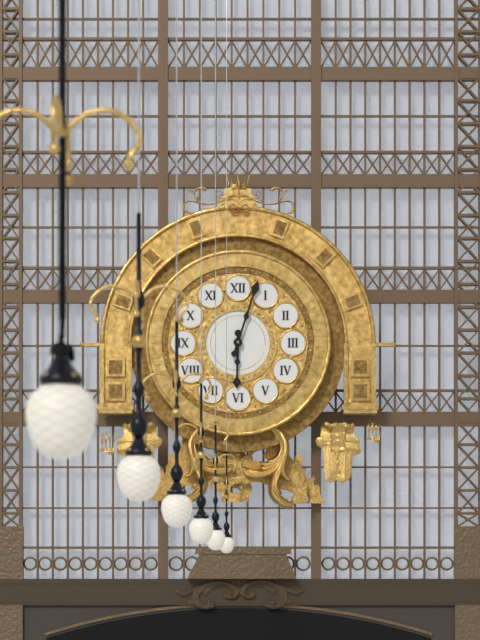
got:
6:03
